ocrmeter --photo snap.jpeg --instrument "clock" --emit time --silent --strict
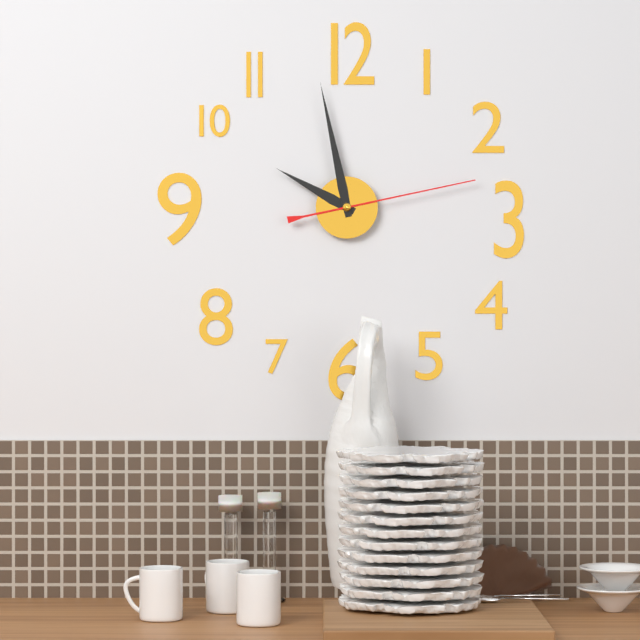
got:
9:58:13
